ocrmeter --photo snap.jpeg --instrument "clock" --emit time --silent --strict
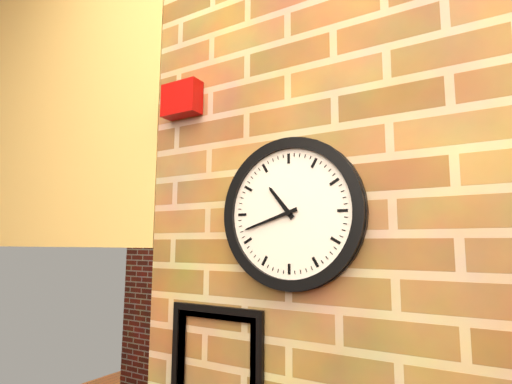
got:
10:42
